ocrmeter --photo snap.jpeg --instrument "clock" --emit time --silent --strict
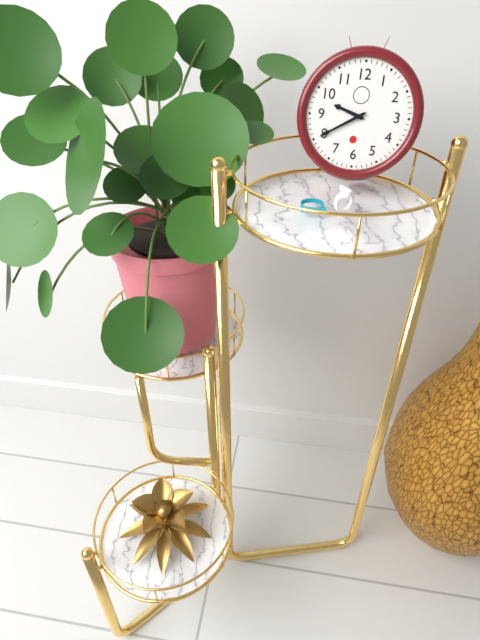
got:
9:40
